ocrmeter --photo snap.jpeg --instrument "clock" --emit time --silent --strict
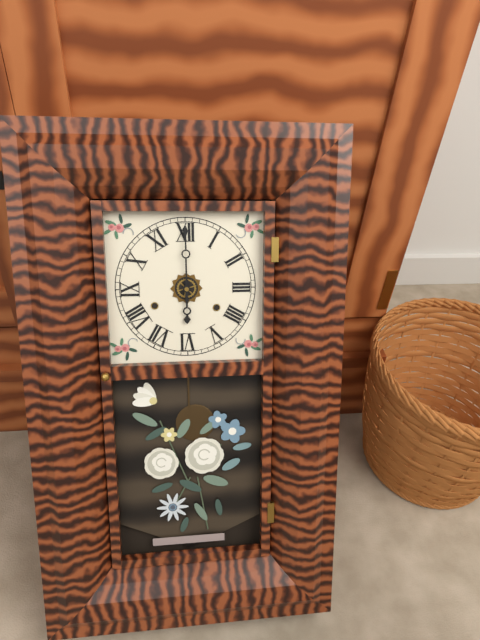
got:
6:00
